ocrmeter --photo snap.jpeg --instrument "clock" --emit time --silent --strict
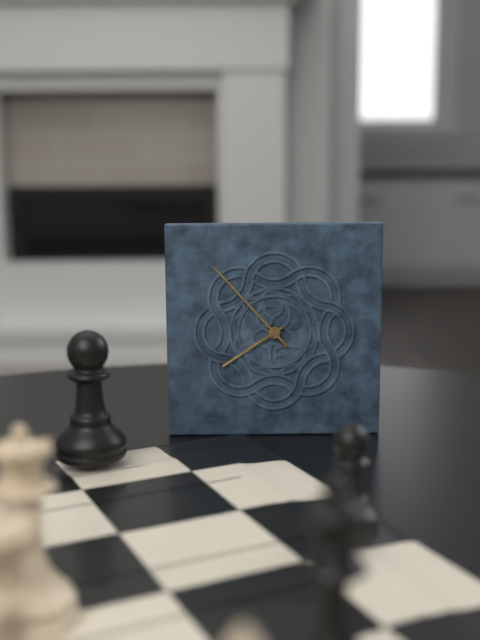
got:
7:53
